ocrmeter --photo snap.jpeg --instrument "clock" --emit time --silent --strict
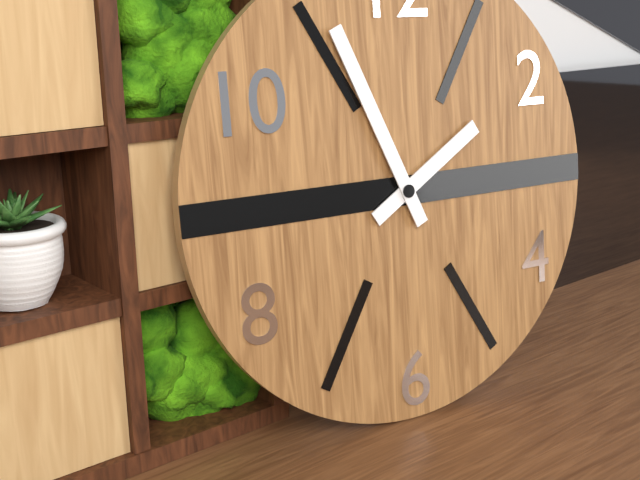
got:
1:56
